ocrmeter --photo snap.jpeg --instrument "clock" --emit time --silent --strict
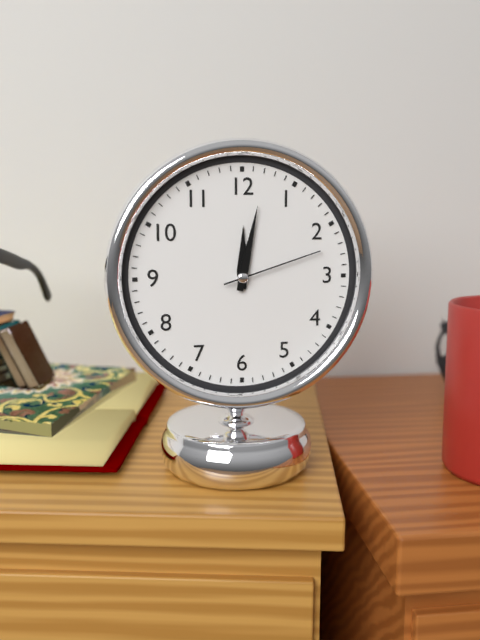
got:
12:02:12
